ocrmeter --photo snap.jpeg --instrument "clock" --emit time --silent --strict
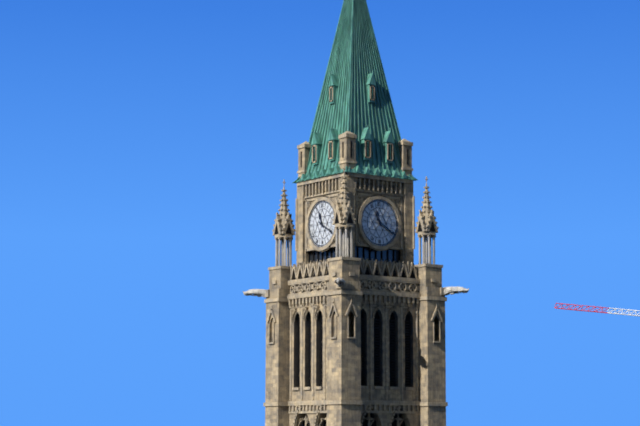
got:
11:20
